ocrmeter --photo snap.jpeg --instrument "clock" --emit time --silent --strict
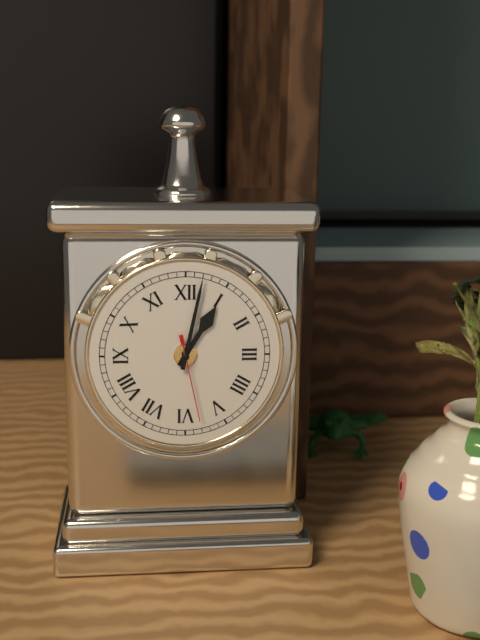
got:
1:02:28
